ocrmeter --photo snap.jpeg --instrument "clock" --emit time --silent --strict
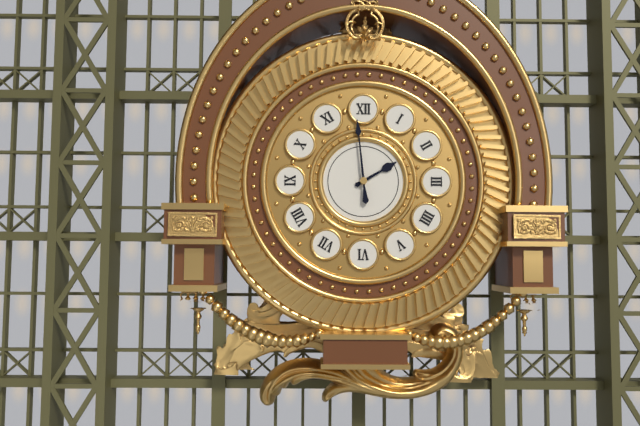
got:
1:59
